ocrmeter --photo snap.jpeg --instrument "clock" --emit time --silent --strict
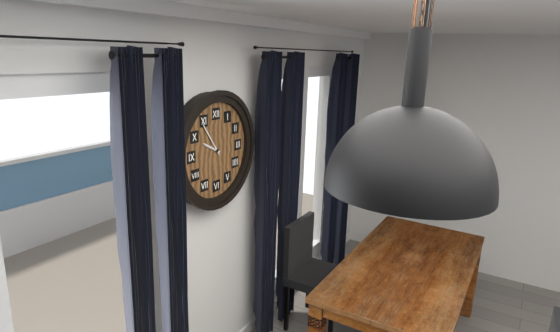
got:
9:54
